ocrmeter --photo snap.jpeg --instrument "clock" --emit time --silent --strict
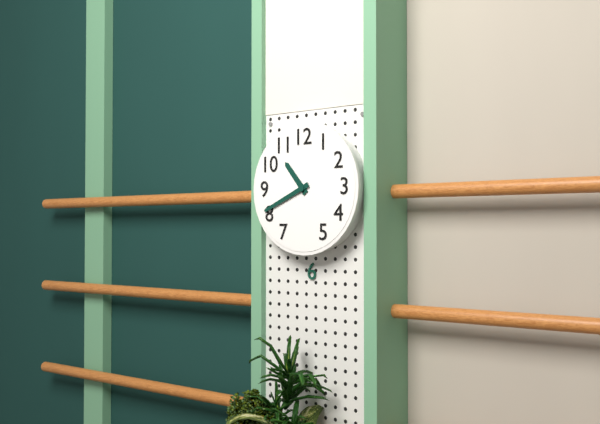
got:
10:41
